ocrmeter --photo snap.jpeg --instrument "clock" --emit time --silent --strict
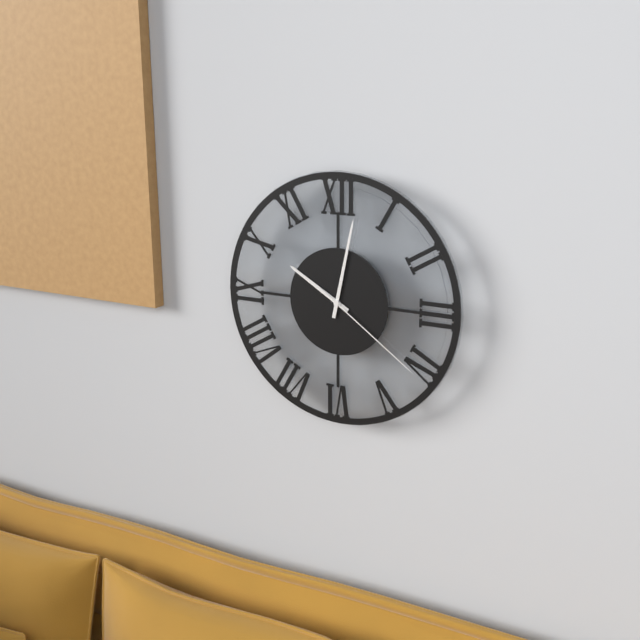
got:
10:02:21
